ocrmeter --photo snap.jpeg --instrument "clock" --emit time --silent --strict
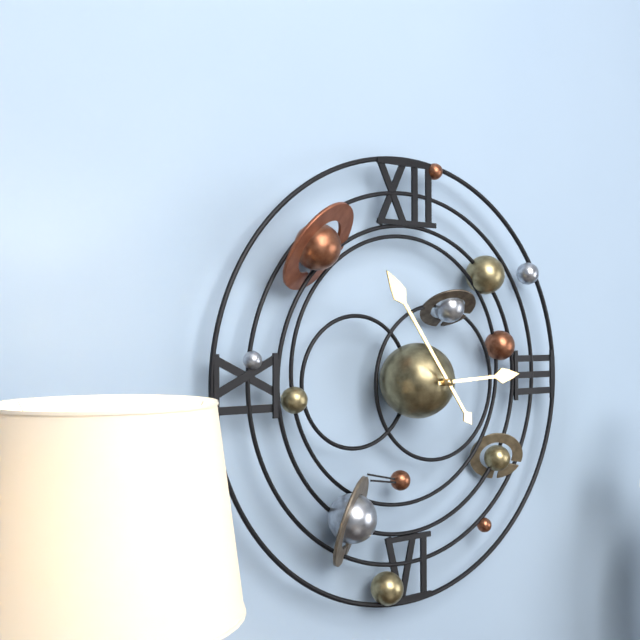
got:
2:54
